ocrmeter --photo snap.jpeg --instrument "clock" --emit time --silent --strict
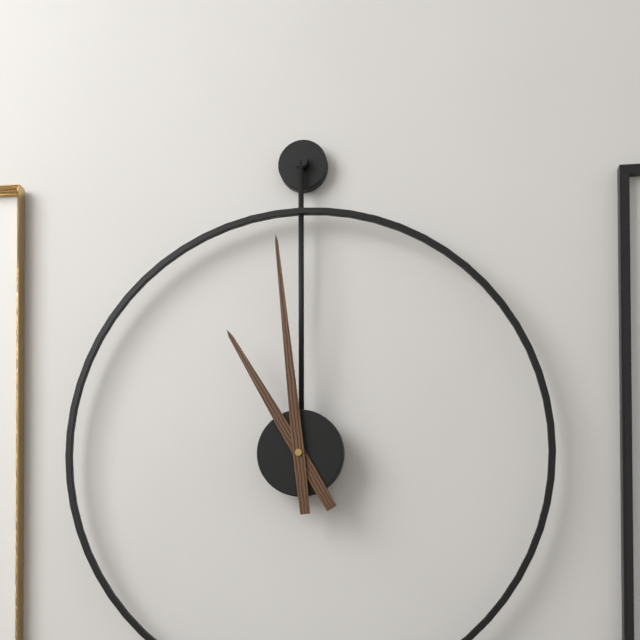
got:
10:59
